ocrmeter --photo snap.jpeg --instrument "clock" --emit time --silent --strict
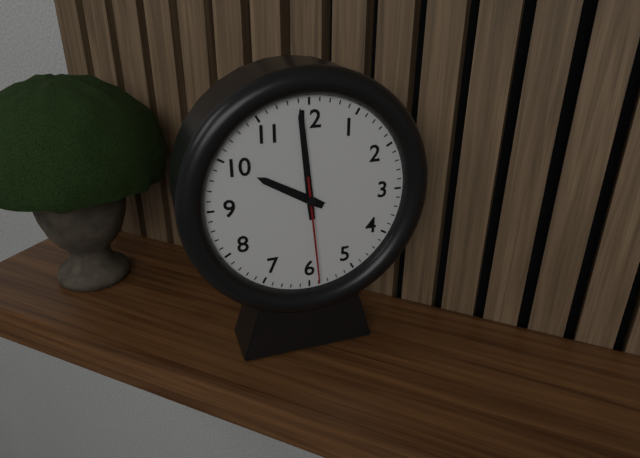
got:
9:59:29
